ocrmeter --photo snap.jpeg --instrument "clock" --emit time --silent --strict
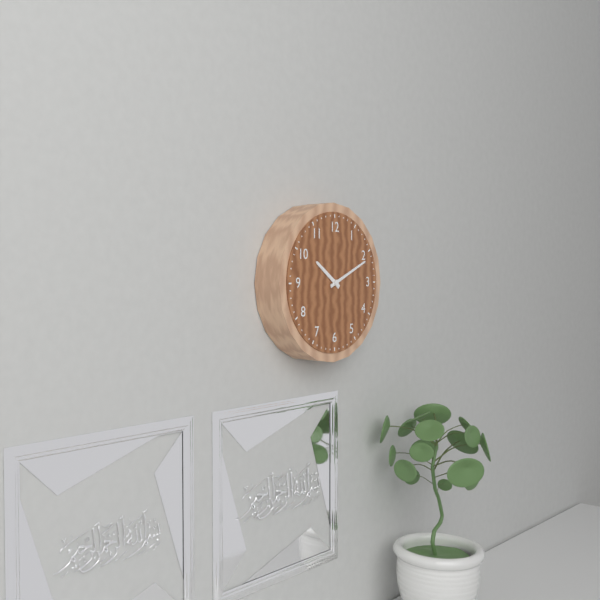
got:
10:11
